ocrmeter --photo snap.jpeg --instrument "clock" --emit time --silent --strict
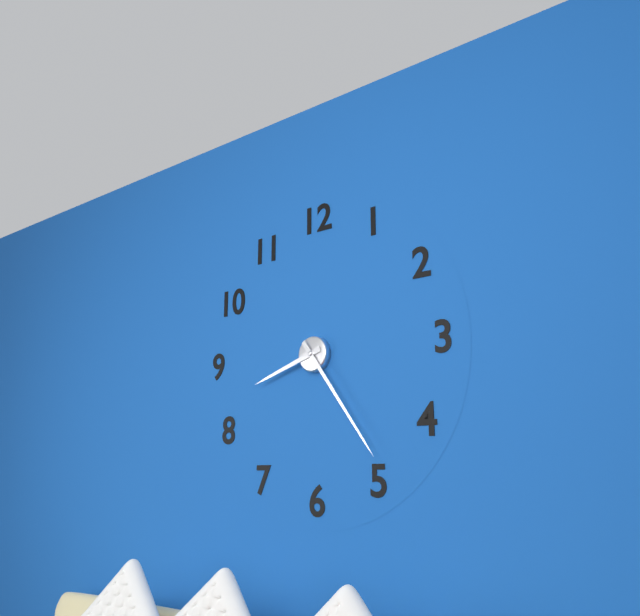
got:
8:24
